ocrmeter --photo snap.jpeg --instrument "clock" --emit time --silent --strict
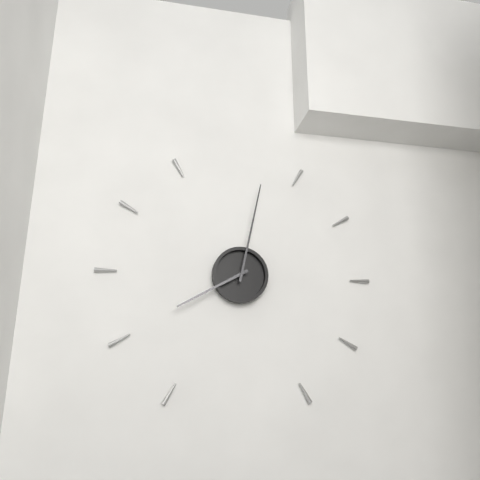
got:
8:02
